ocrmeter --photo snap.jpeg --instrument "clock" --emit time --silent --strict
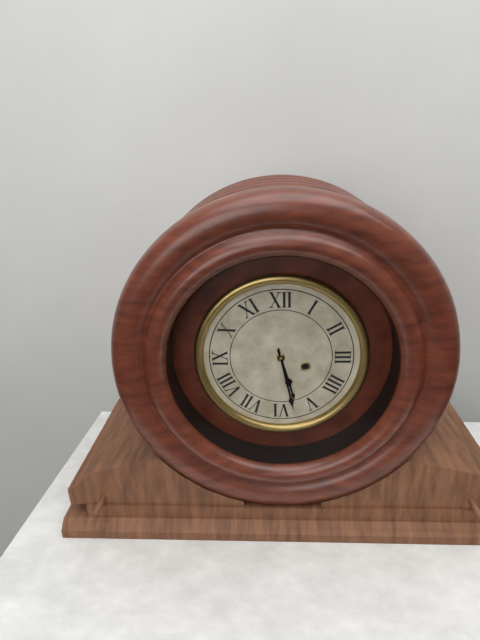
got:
5:28
